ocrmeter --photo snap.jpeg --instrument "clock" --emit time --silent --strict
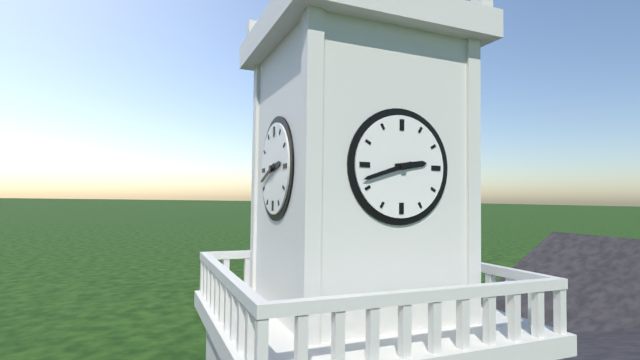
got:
2:42
